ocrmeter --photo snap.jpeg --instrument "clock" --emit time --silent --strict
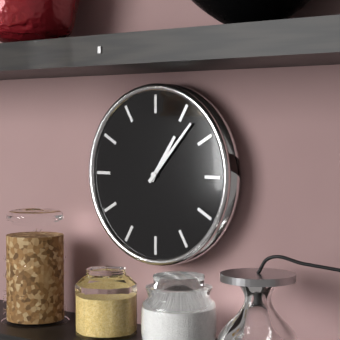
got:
1:07
